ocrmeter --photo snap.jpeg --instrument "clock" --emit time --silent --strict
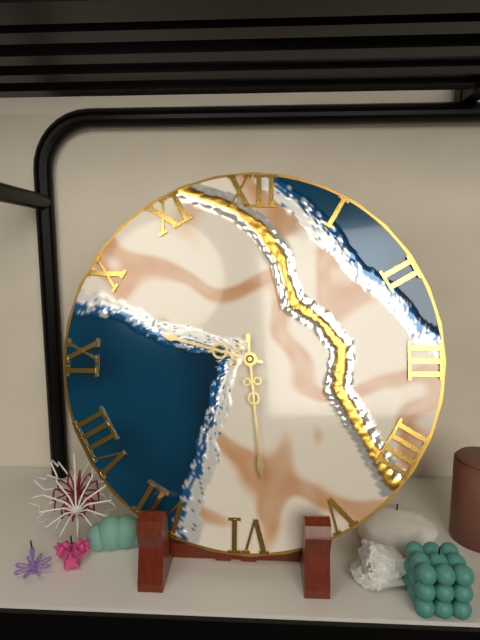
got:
9:29
